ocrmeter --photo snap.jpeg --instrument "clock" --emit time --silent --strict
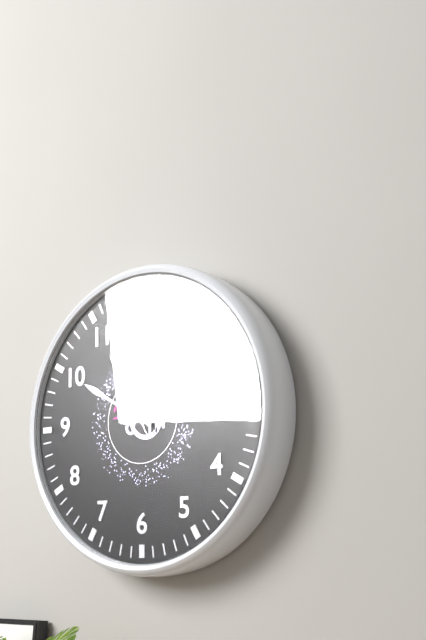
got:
2:50:55
